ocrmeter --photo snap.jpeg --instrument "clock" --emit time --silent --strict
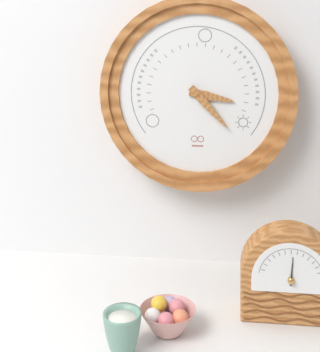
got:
3:23
